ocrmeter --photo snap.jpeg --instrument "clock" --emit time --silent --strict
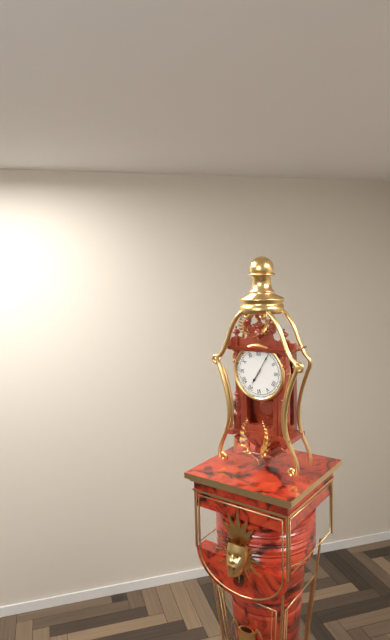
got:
7:05
